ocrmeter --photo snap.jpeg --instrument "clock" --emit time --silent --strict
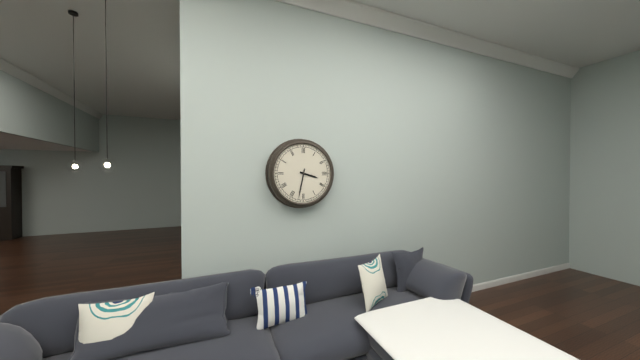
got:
3:32
